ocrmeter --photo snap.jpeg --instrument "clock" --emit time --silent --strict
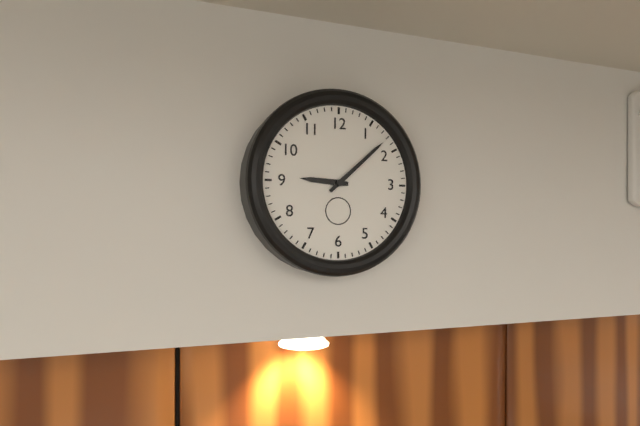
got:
9:08
